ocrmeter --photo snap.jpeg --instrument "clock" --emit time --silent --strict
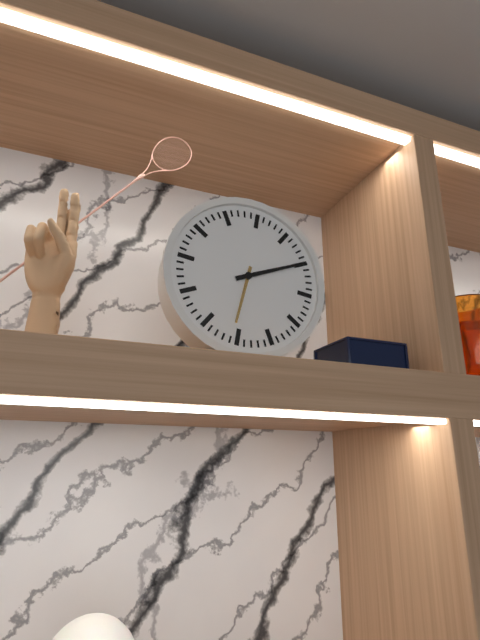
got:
6:10
